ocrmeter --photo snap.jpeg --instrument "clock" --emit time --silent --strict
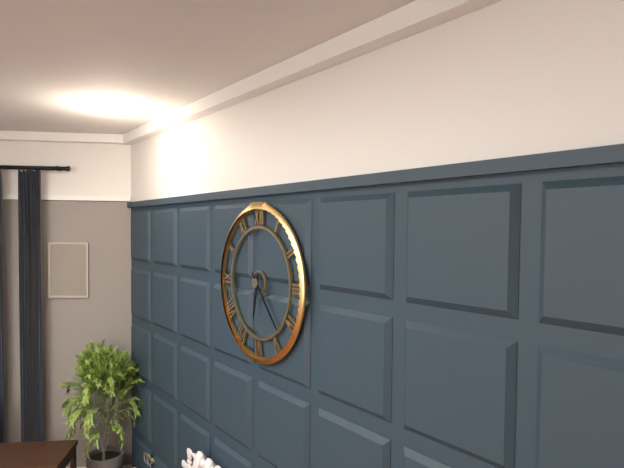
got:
6:23
